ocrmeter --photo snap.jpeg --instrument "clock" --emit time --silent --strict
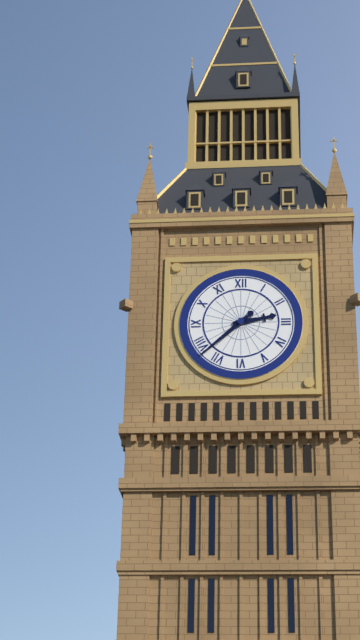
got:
2:38
